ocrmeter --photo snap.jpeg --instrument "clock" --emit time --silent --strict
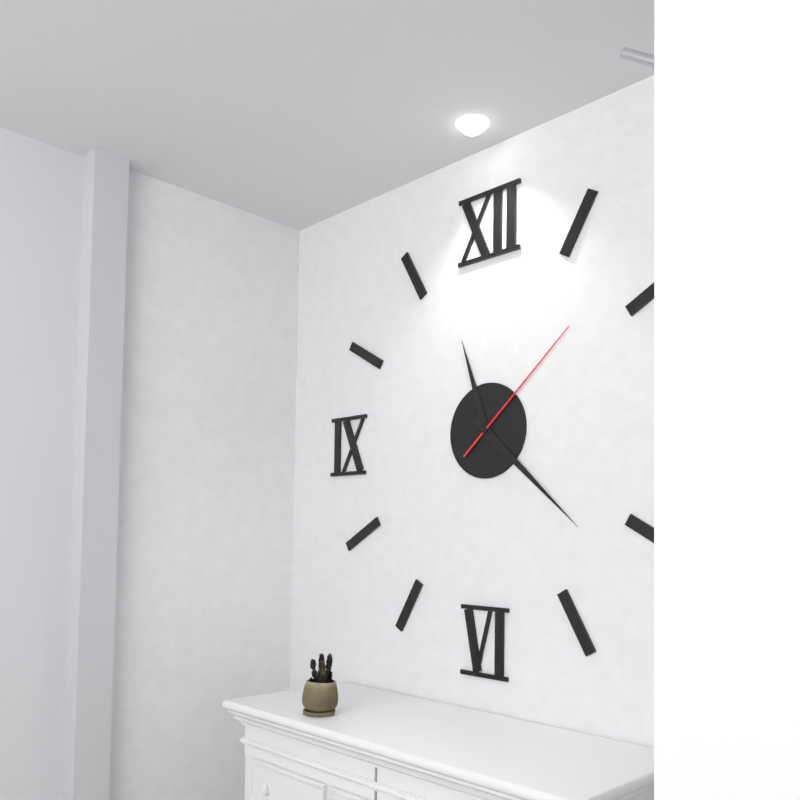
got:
11:22:08
